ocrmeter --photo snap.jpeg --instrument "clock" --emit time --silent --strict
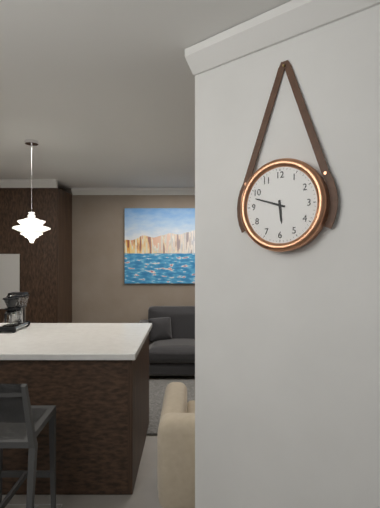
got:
5:48
